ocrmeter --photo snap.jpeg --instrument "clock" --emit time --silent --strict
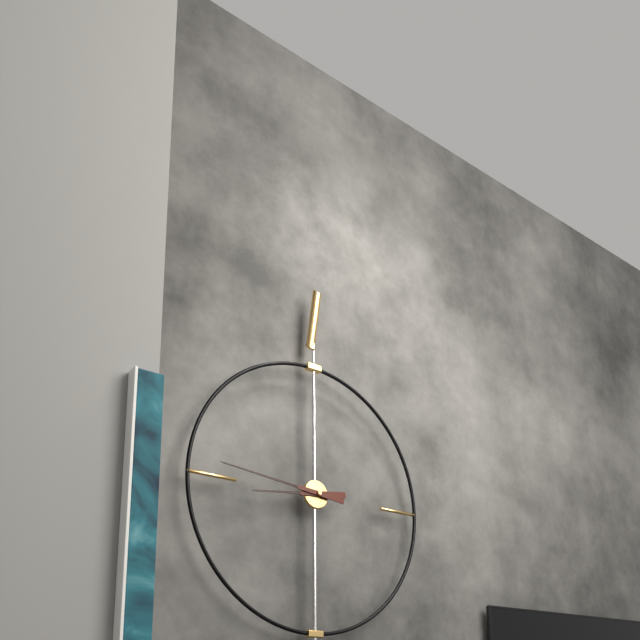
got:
8:46
